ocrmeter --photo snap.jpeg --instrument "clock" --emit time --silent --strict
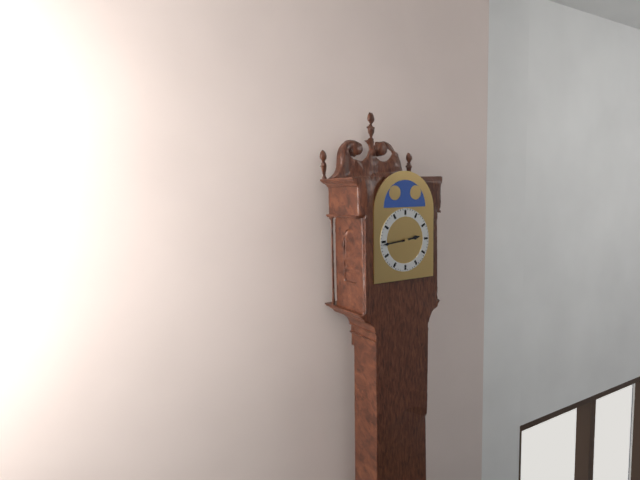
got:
2:44
